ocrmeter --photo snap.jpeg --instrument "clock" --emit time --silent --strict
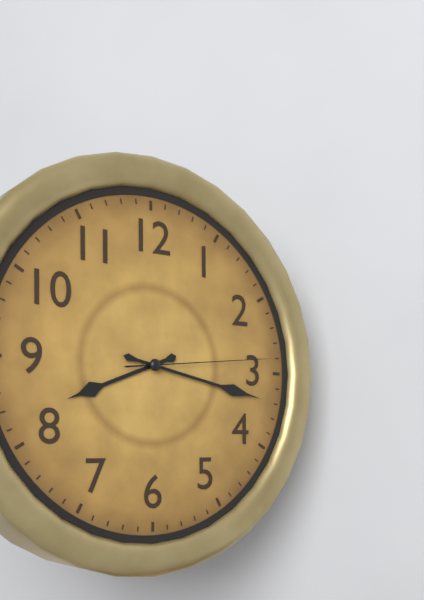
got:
8:17:14
